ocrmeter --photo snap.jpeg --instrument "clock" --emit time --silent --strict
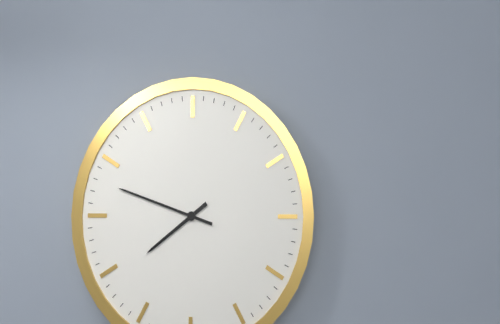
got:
7:48
